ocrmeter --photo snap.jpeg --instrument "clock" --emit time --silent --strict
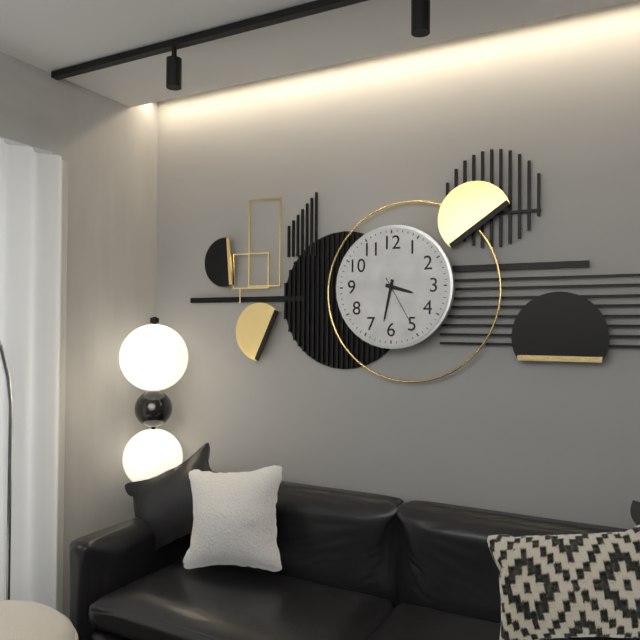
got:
3:32:25
